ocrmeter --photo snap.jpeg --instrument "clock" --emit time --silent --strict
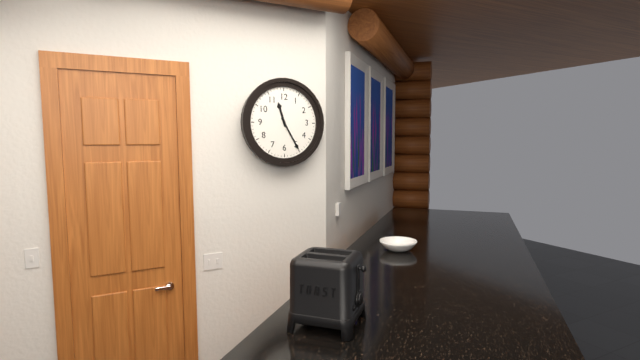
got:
11:25
